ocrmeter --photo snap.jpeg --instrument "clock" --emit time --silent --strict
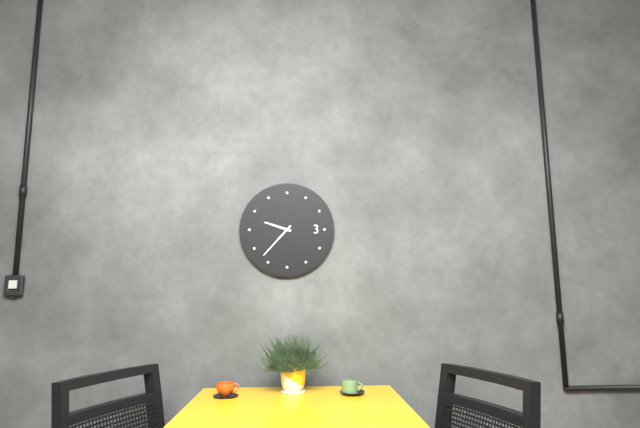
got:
9:37
